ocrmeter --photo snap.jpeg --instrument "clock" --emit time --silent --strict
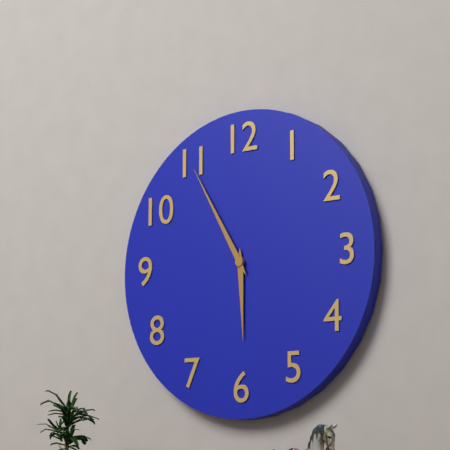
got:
5:55
